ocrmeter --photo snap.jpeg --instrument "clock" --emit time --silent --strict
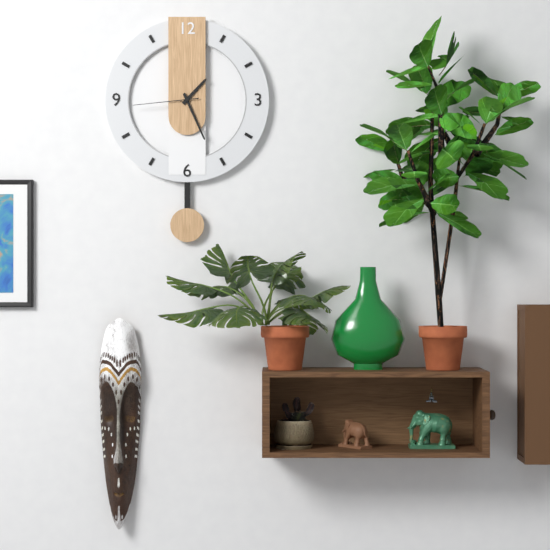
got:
1:26:44
